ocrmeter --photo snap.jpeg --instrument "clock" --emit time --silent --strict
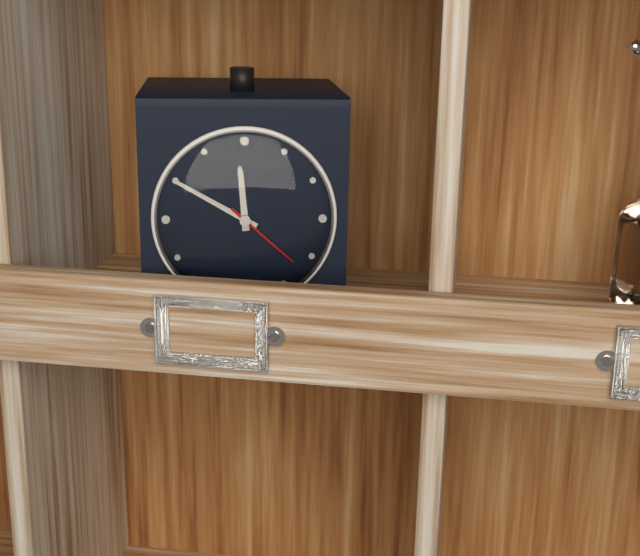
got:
11:50:22
